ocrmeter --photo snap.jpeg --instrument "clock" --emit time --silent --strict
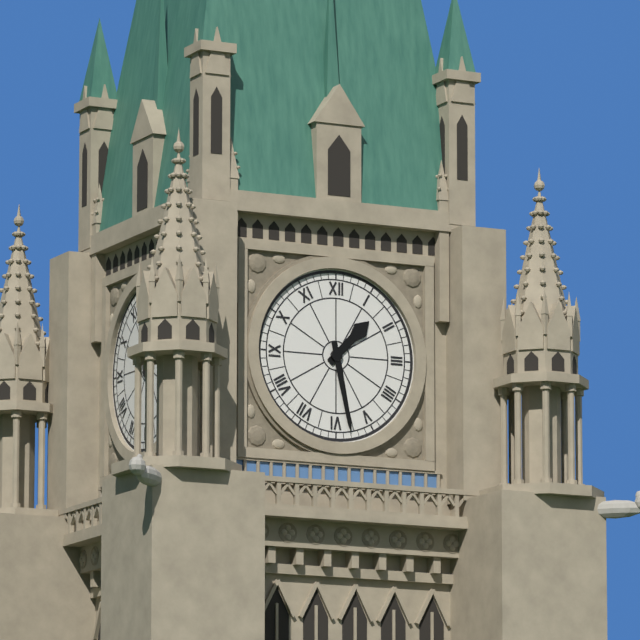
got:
1:28
